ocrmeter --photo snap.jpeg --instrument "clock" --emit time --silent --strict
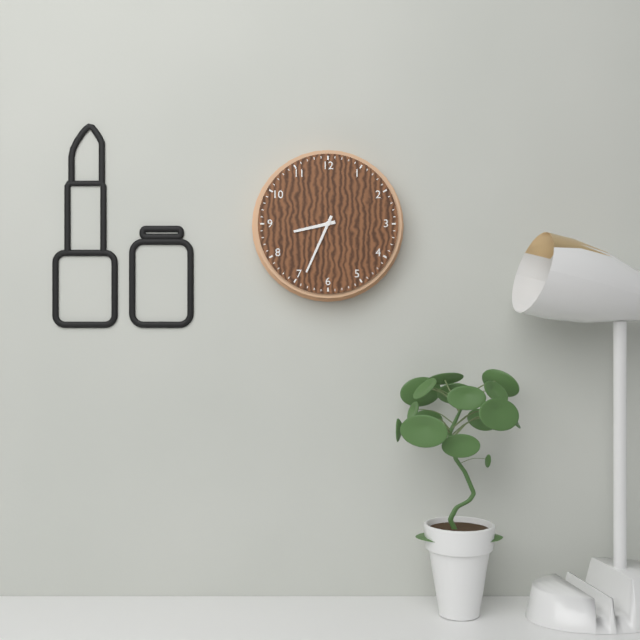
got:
8:34
